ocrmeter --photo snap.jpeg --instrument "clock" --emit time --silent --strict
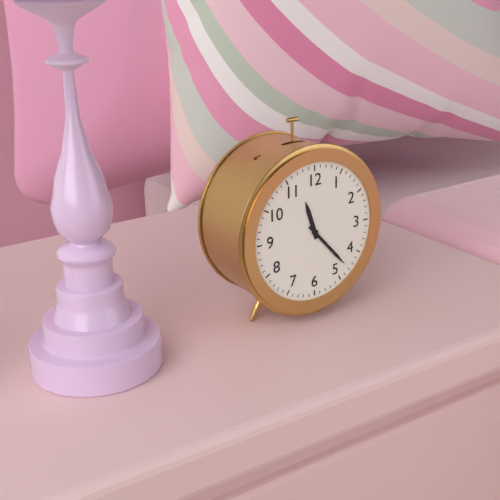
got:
11:23
